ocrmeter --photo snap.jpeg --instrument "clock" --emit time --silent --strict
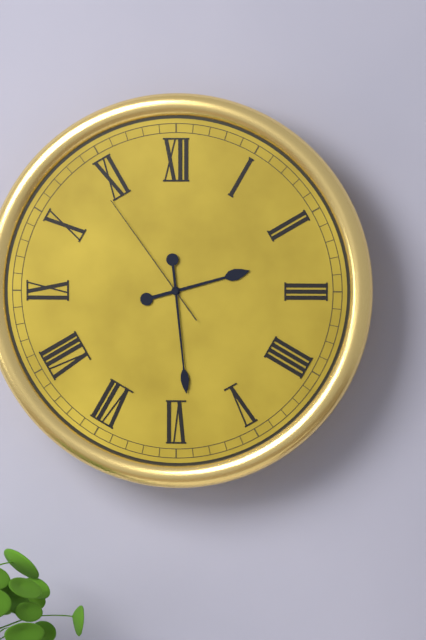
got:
2:29:54
